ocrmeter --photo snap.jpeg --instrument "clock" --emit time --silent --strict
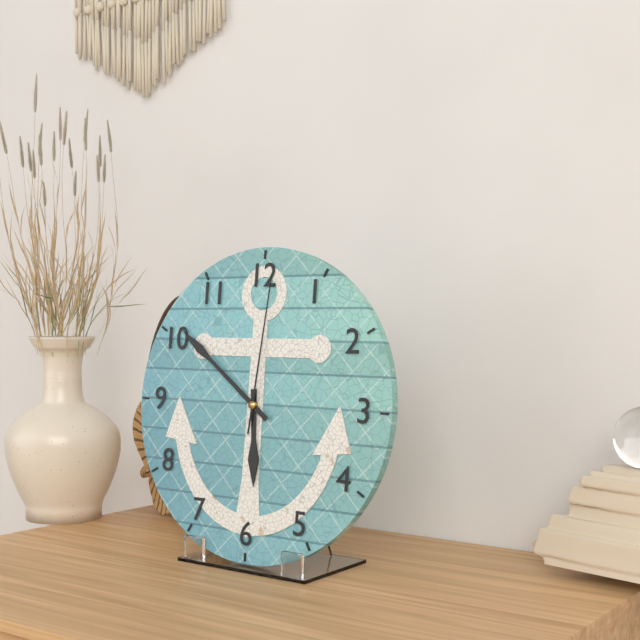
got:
5:51:01
